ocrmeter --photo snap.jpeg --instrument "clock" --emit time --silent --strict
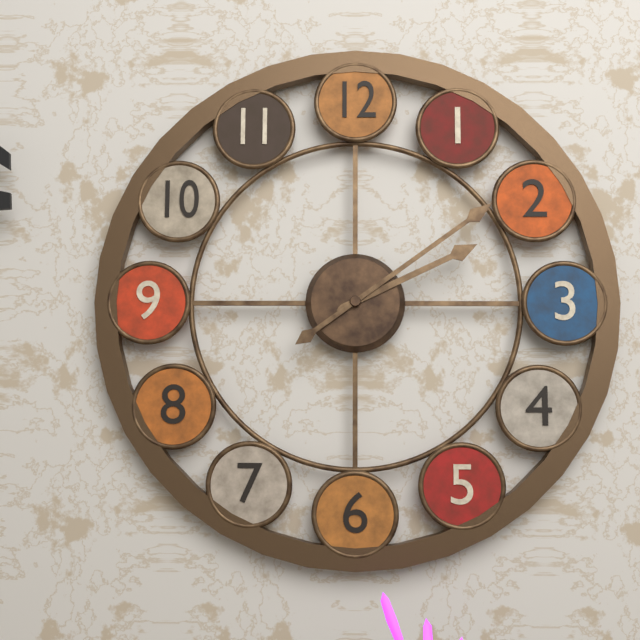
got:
2:09
